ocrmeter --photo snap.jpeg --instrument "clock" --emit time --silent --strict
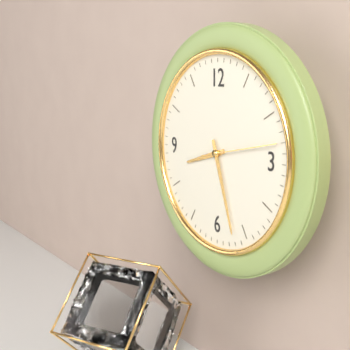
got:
8:27:13
